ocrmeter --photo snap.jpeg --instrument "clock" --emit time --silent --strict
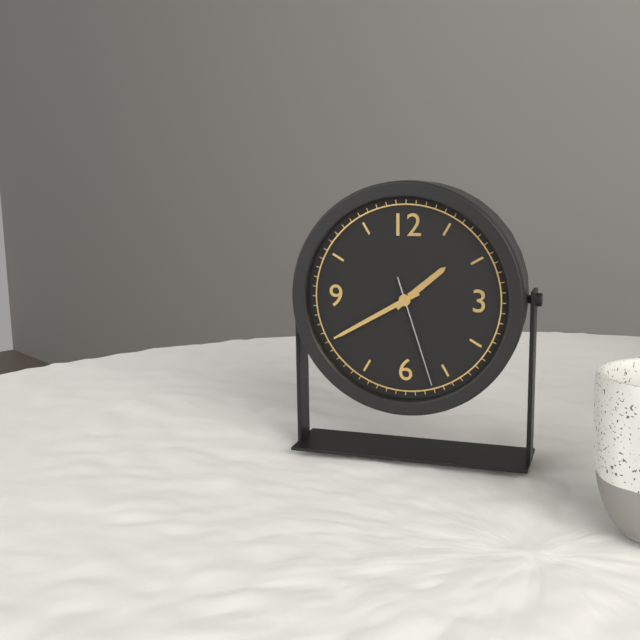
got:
1:40:27
